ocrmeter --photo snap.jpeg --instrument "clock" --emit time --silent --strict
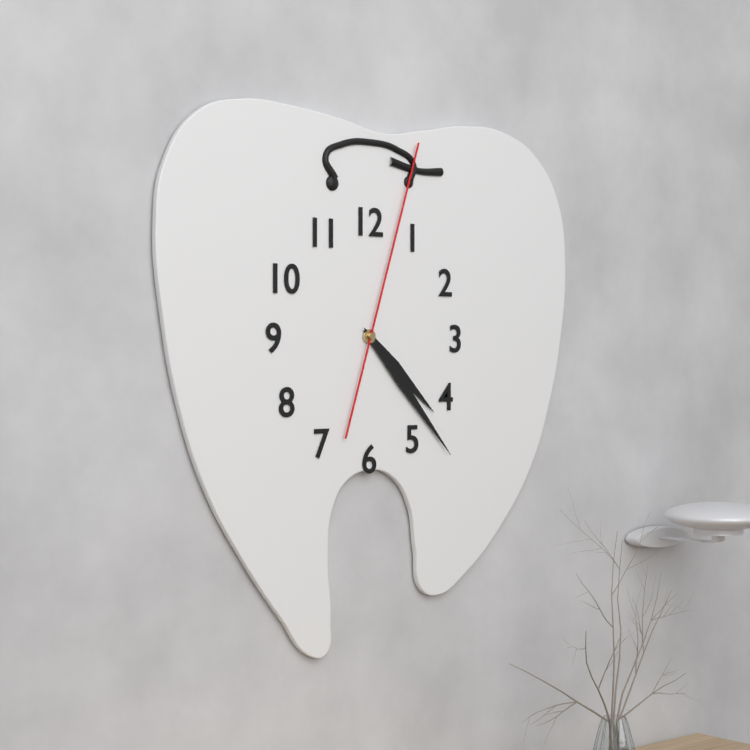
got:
4:23:03
